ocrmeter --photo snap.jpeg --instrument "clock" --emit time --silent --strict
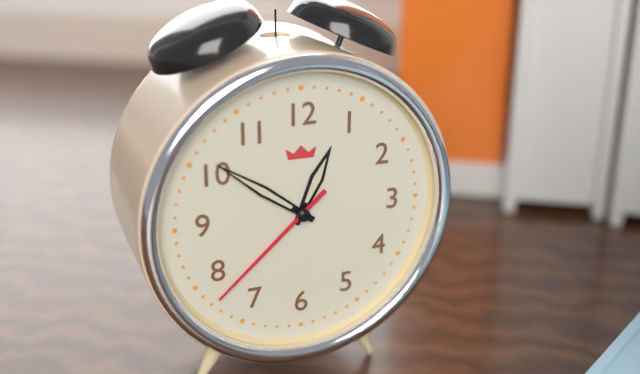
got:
12:51:38
